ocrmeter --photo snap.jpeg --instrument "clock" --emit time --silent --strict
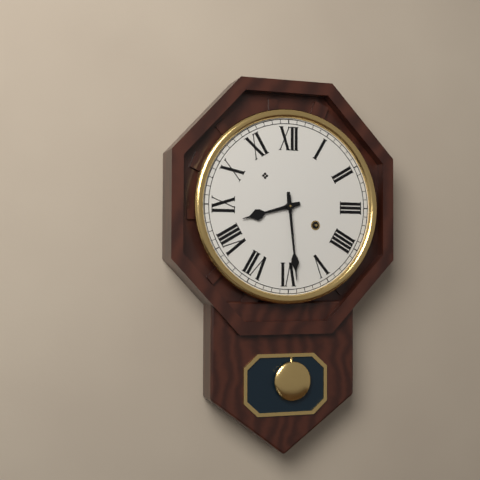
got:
8:29
